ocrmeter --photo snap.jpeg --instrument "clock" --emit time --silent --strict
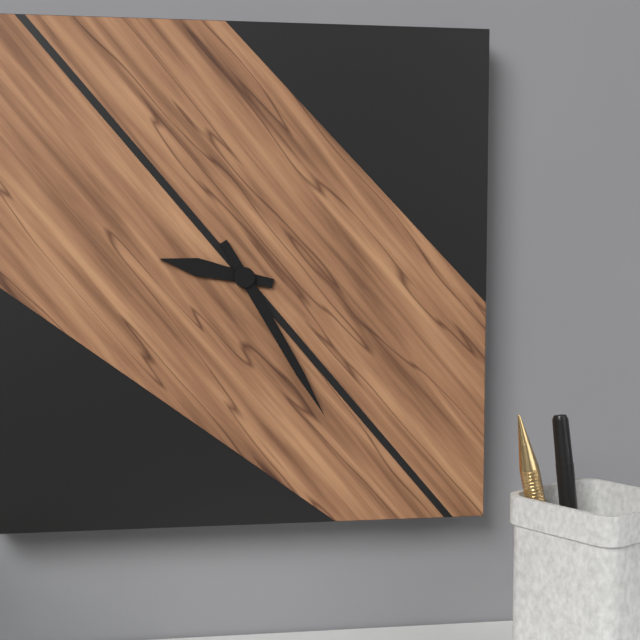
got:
9:25
